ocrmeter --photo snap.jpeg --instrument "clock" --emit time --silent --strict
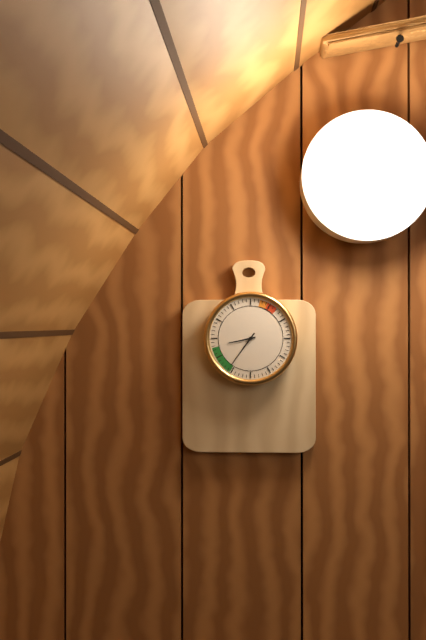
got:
8:36
